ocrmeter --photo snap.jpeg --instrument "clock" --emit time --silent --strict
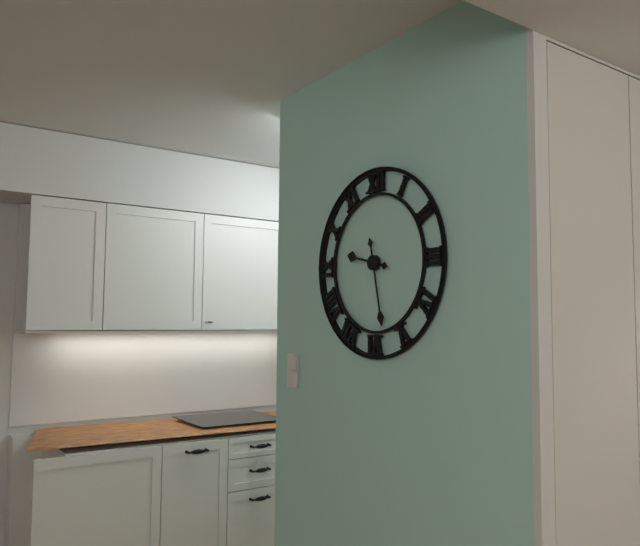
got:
9:28
